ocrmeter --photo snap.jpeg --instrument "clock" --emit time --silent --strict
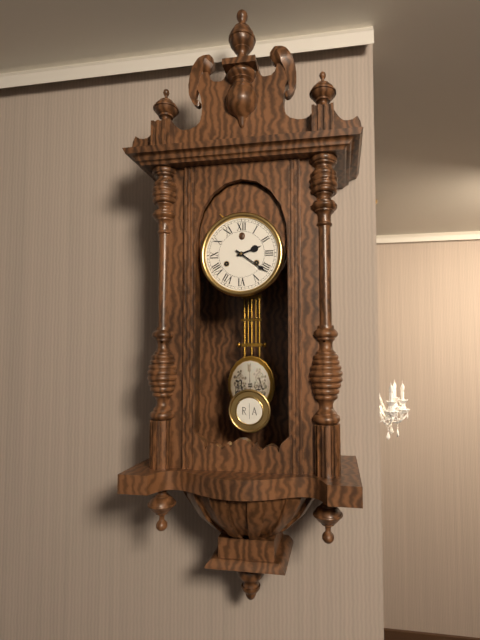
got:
2:21
